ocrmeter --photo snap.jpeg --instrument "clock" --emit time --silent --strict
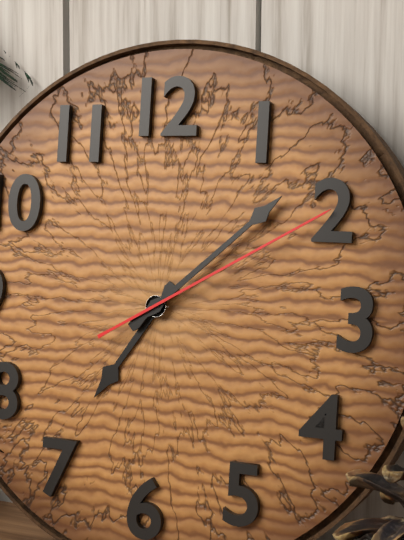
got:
7:08:10
